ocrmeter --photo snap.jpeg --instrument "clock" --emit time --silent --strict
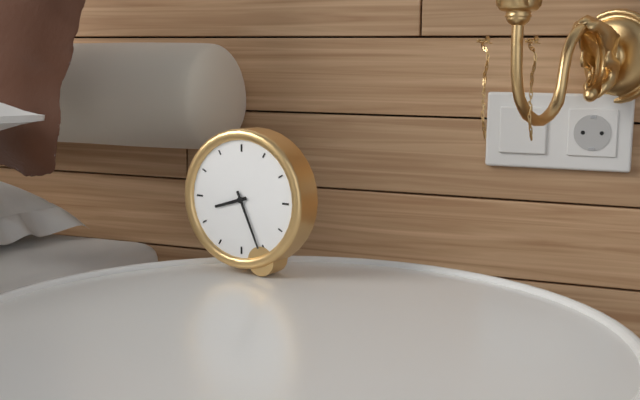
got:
8:26
